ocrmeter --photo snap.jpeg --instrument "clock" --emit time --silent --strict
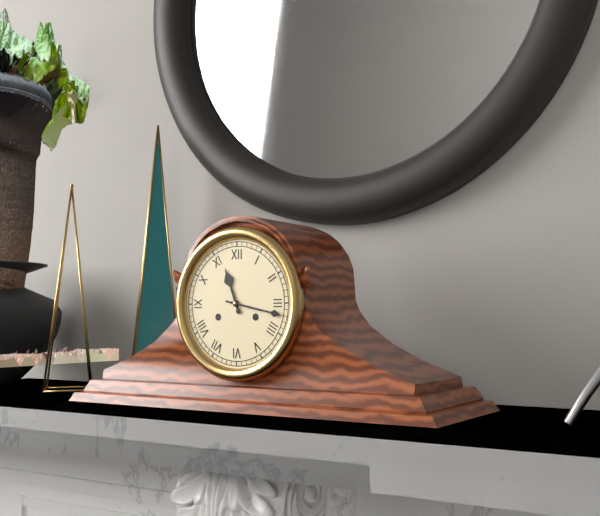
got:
11:17
